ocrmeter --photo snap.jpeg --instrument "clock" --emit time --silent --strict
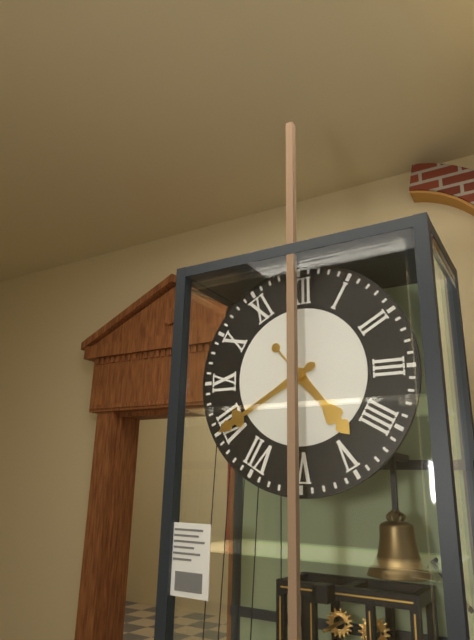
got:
4:40
